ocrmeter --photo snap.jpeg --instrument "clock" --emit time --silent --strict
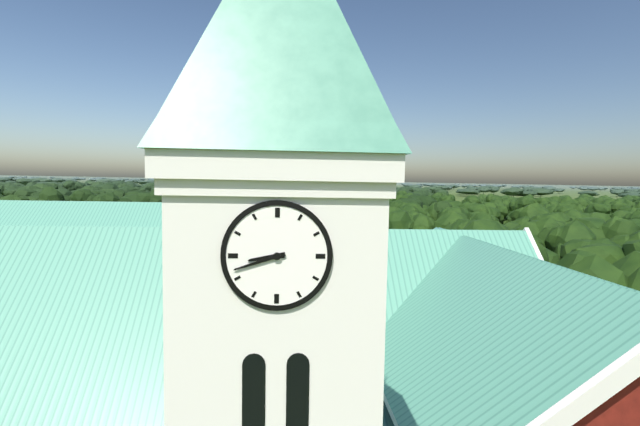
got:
8:42
